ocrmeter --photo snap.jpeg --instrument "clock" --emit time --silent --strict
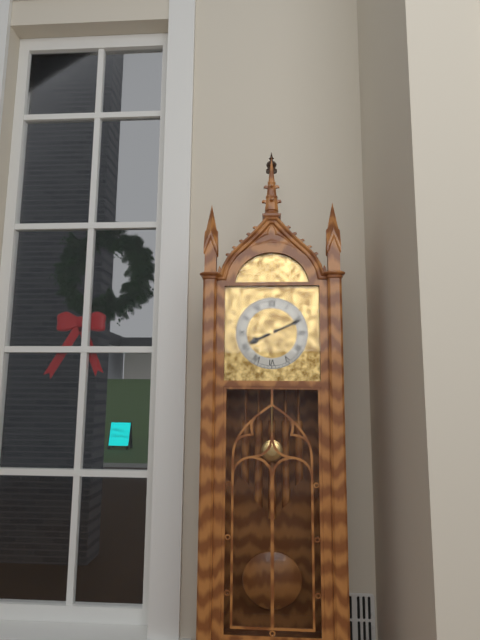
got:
8:11
